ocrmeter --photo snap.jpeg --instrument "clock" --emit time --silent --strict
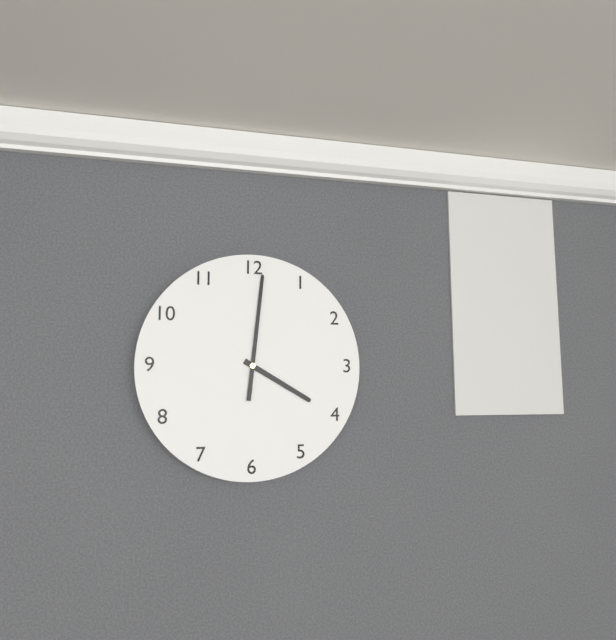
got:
4:01
